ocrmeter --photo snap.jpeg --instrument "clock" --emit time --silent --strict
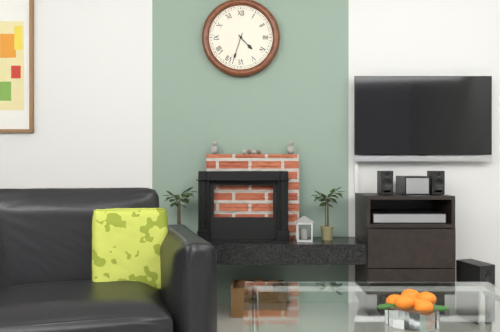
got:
4:33
